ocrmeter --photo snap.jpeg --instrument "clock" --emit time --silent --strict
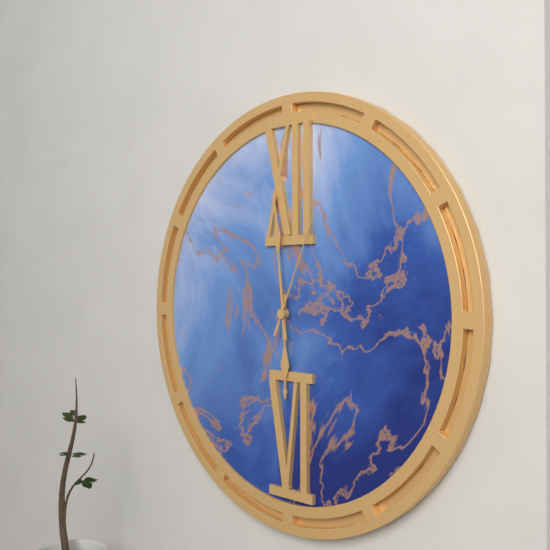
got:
5:59:04
